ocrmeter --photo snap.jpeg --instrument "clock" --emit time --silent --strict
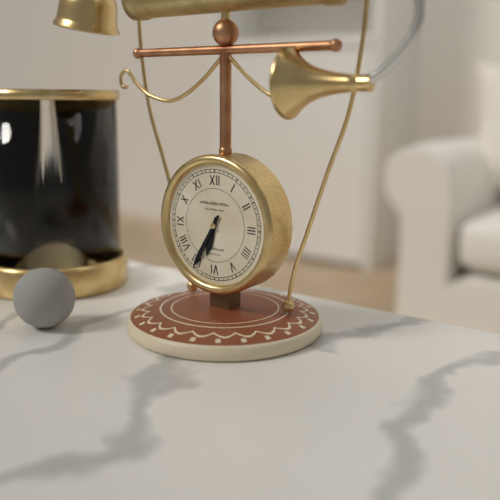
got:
6:35
